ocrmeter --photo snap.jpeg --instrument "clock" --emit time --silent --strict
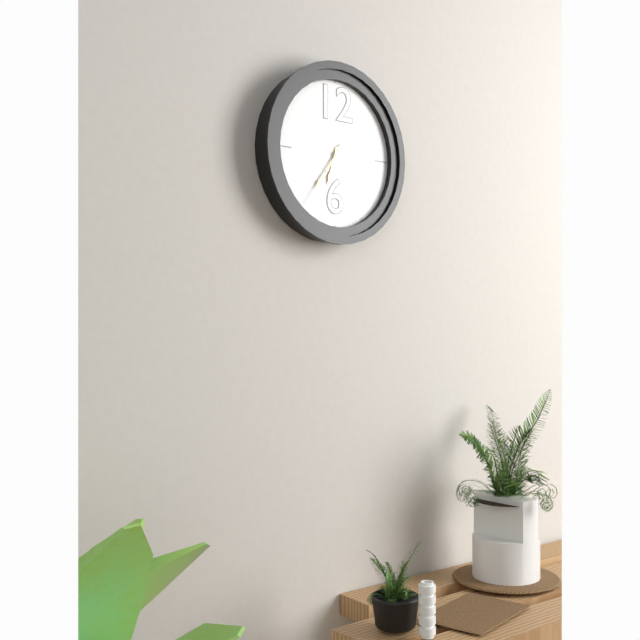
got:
6:36:36
